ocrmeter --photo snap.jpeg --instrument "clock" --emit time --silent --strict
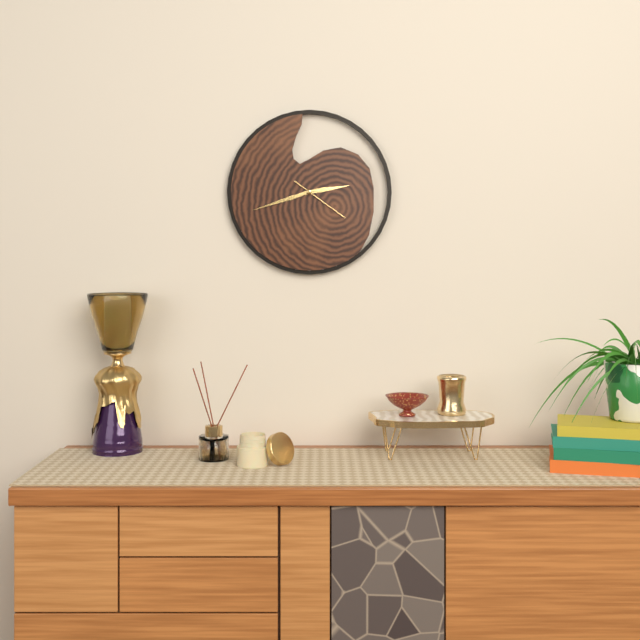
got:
2:42:21
